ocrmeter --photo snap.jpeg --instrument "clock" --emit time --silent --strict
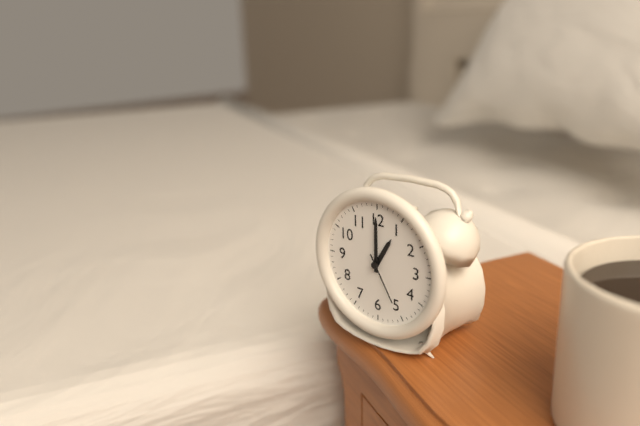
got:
1:00:25
